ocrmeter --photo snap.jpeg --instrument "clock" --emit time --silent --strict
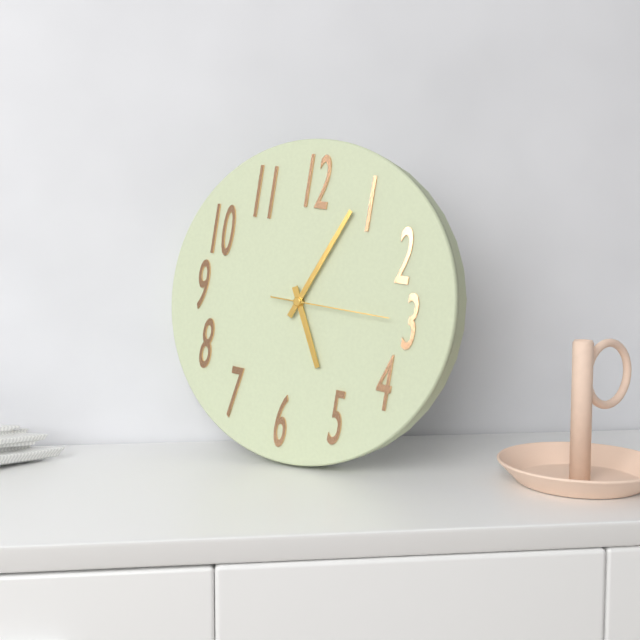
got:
5:04:15
